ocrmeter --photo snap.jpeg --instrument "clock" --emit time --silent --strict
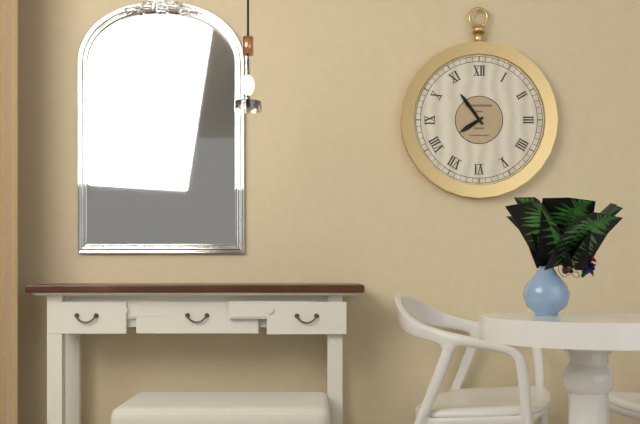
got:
7:54
